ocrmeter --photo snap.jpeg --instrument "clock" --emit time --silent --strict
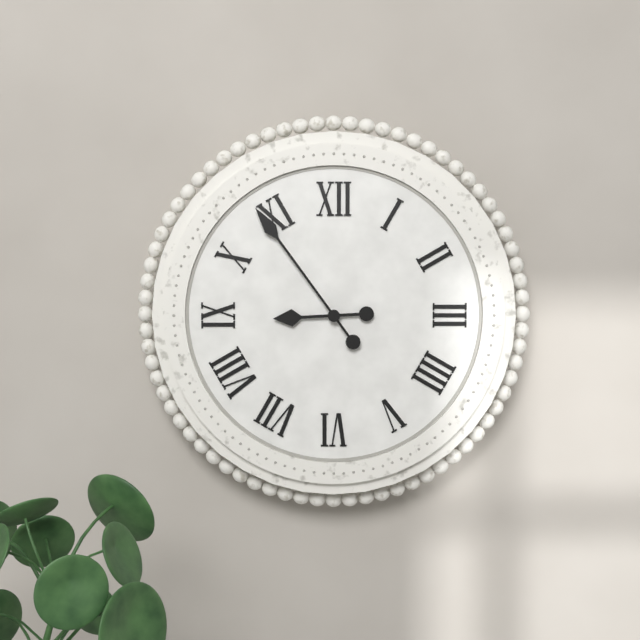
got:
8:54
